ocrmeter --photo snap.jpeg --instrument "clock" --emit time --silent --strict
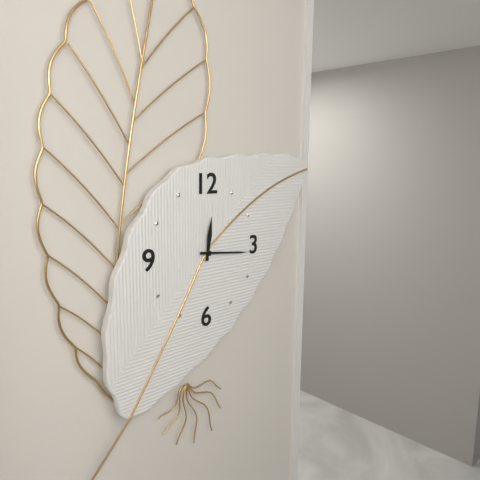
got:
12:16
